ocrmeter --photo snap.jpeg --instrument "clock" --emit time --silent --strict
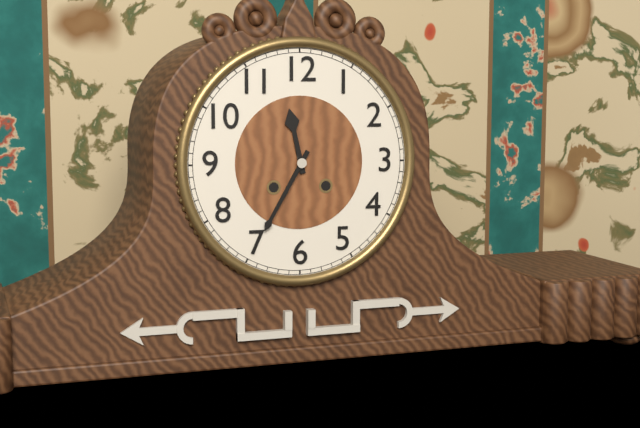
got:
11:35
